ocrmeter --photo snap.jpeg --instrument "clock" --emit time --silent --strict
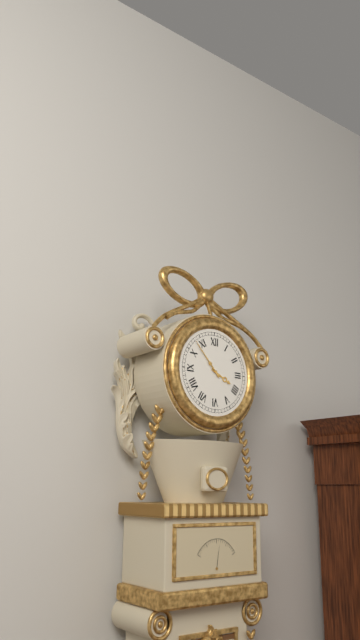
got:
3:53
